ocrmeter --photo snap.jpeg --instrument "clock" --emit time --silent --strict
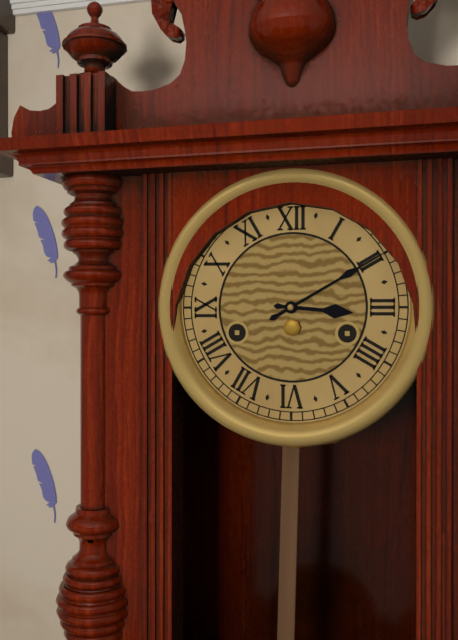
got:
3:10
